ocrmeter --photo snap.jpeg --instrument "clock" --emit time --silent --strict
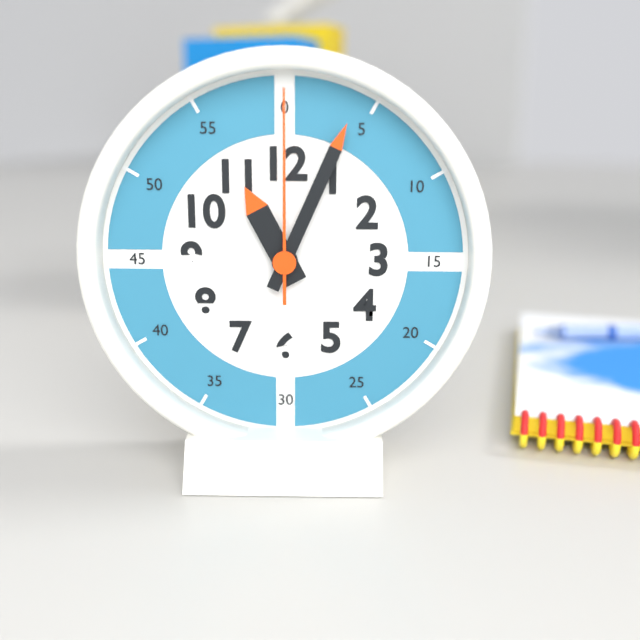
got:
11:04:00
